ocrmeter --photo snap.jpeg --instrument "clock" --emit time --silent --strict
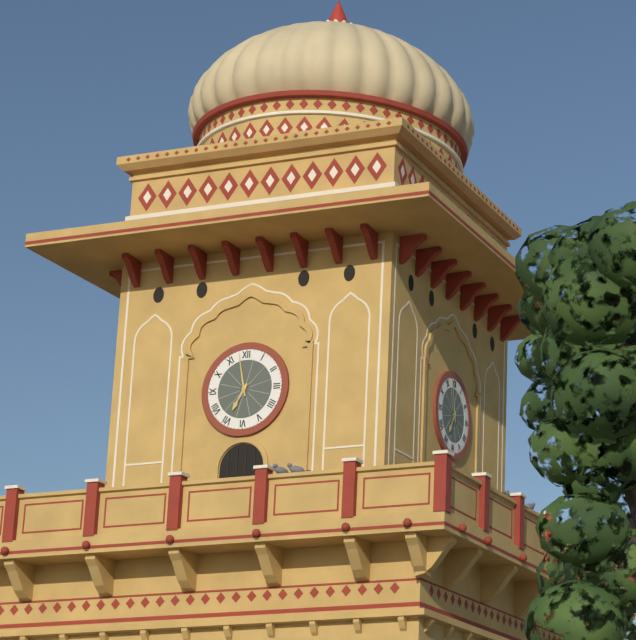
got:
6:58
